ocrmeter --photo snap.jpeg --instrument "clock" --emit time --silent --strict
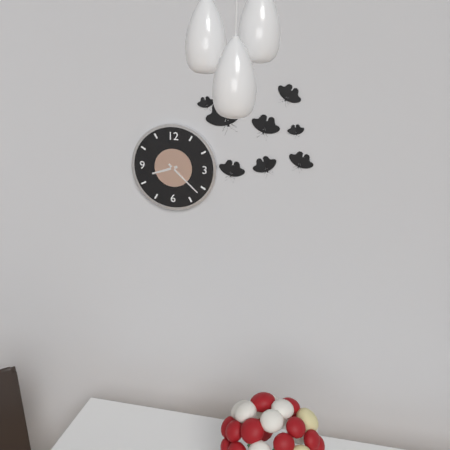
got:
8:22
